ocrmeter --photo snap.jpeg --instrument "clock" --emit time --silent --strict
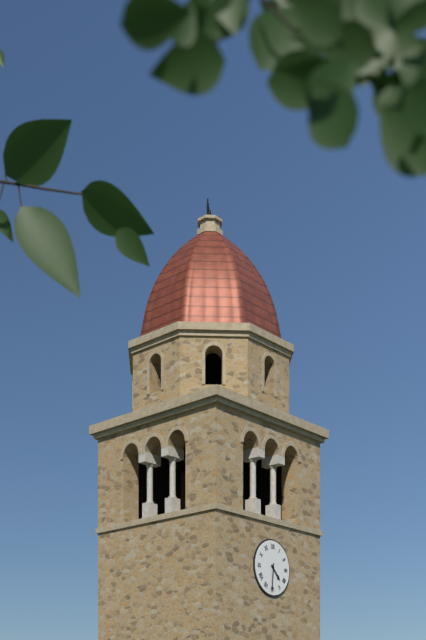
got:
4:31
